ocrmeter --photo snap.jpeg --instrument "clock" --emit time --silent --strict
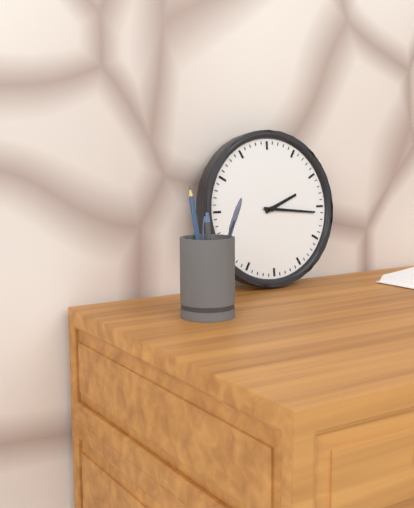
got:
2:16
